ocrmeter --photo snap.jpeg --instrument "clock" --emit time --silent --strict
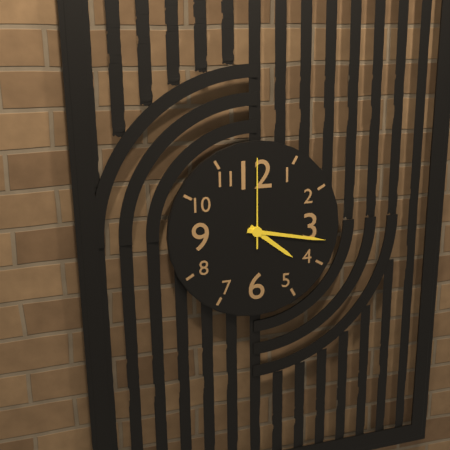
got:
4:17:00
